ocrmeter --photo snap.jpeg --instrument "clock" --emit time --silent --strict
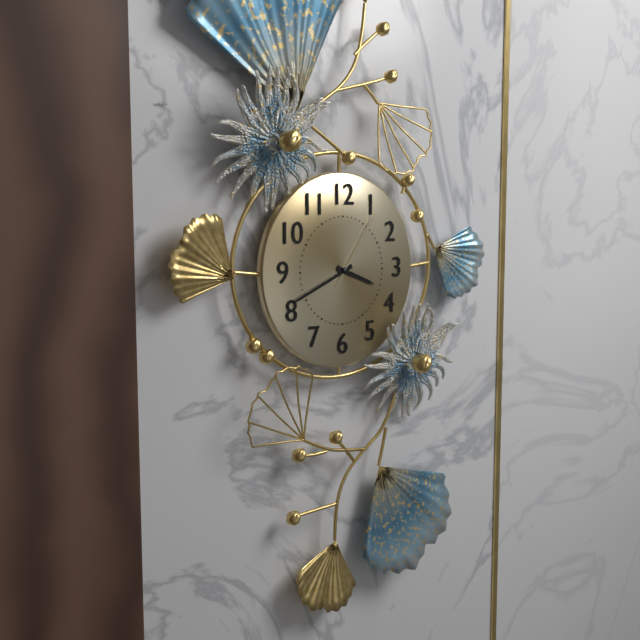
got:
3:41:06
